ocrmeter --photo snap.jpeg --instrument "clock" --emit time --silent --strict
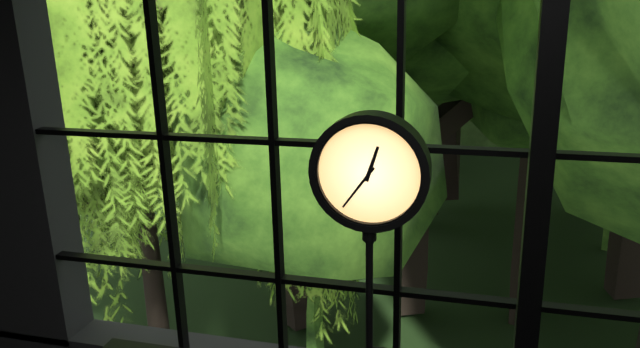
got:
12:36
